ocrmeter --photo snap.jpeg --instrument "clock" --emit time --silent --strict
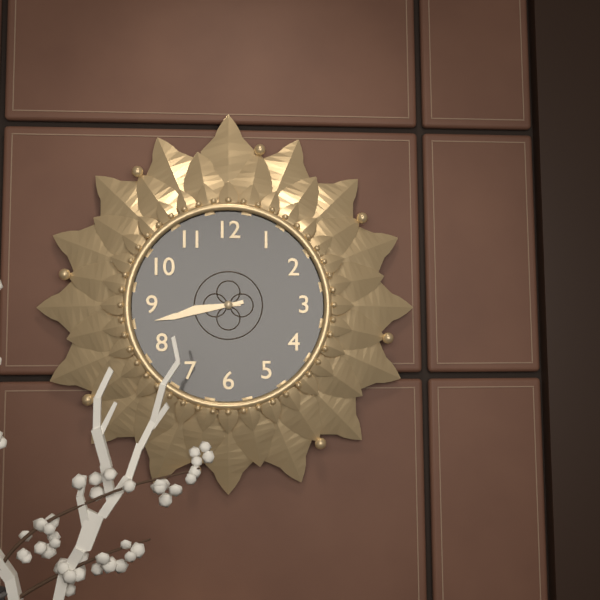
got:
8:43
